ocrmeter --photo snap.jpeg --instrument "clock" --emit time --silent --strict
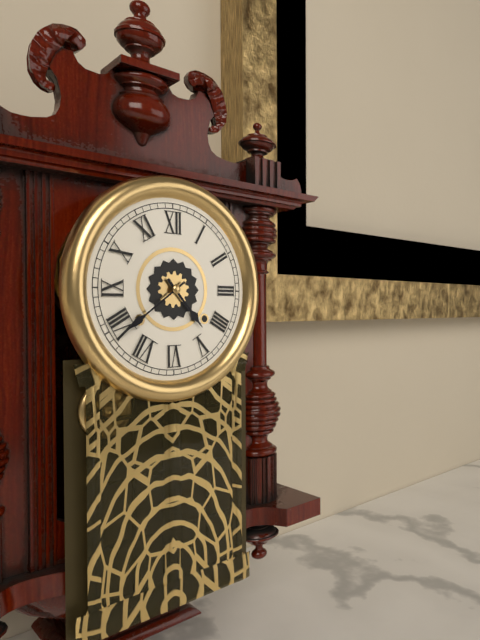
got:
4:39
